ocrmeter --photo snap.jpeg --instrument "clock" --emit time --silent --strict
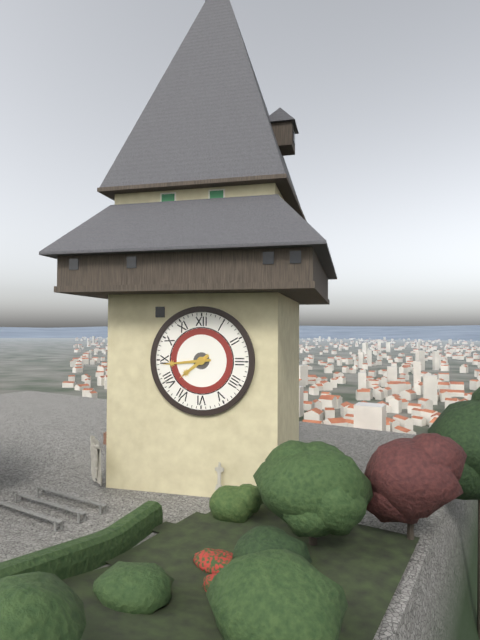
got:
7:44
